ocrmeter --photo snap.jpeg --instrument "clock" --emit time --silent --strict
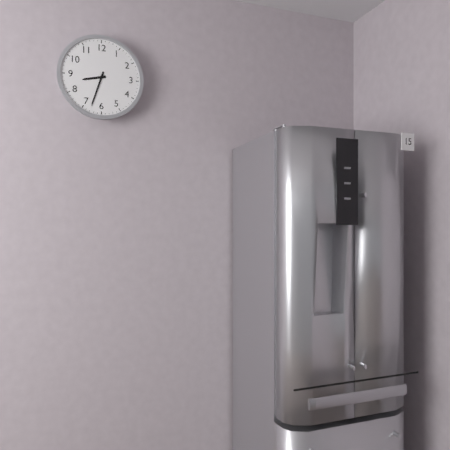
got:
8:33
